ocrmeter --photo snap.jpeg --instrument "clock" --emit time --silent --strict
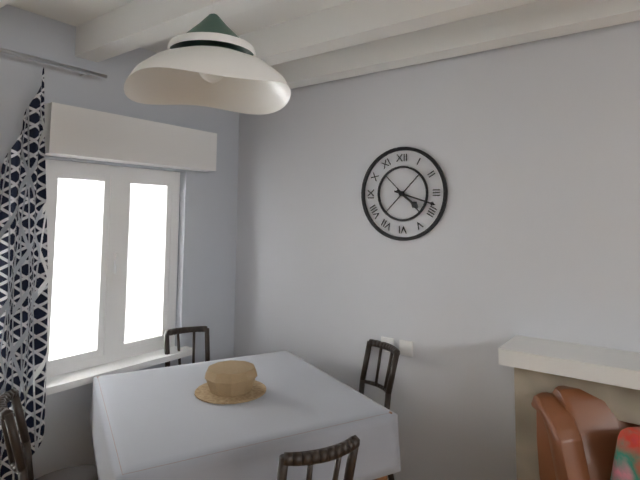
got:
4:18
